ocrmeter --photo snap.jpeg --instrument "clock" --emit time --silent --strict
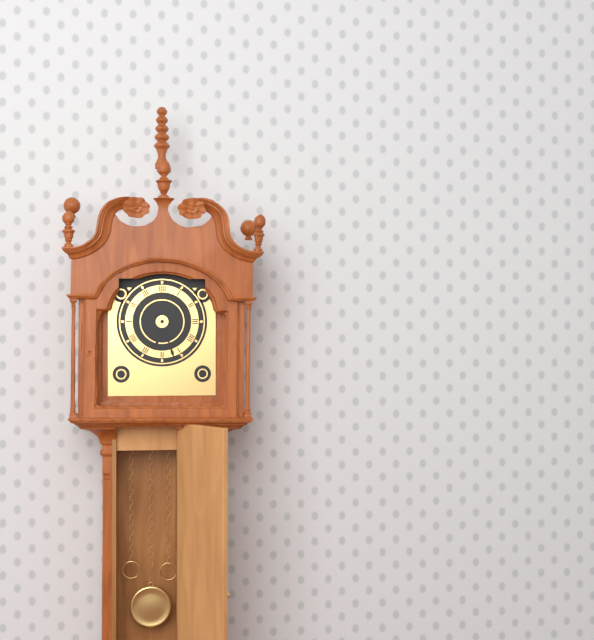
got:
6:27
